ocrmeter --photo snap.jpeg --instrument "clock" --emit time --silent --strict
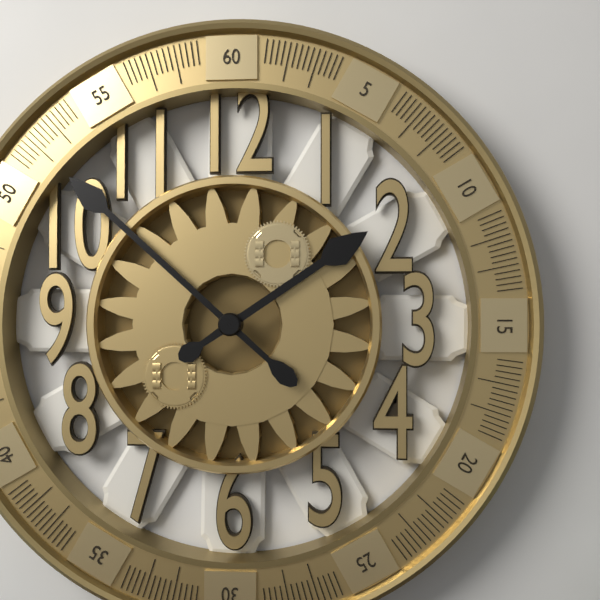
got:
1:52
